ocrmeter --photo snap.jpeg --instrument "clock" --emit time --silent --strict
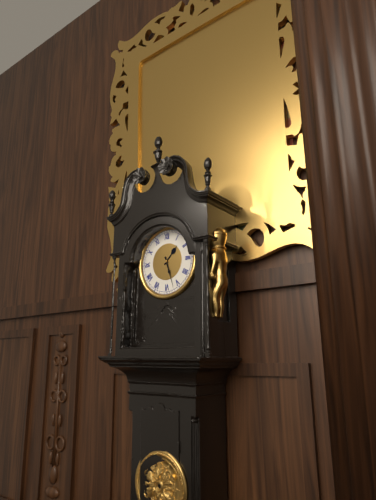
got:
1:27
